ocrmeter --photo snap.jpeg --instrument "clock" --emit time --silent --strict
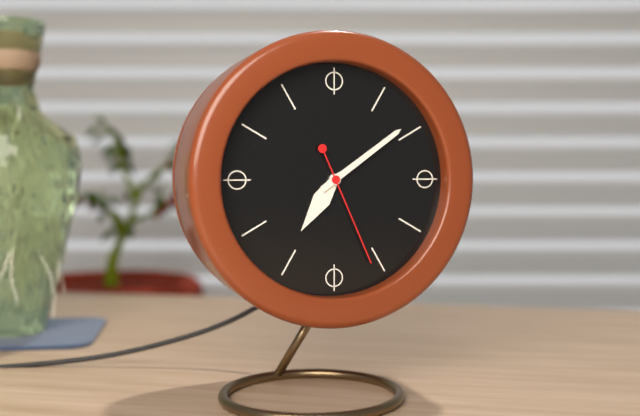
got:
7:09:26
